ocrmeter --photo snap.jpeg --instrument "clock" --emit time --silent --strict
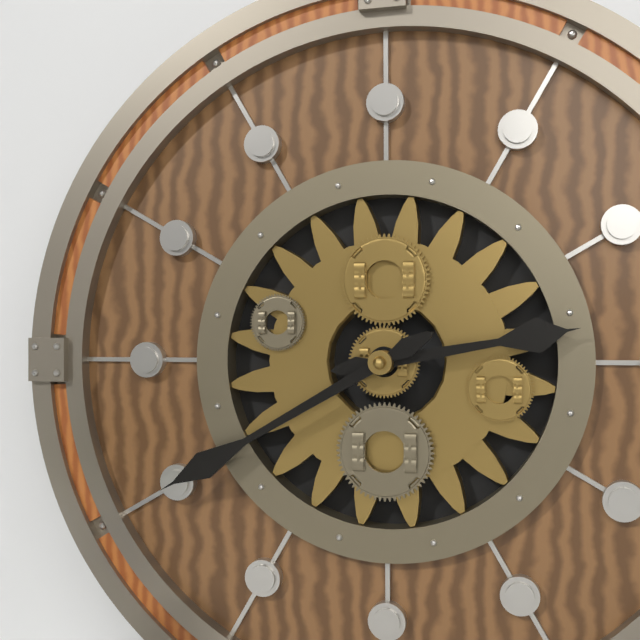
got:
2:40
